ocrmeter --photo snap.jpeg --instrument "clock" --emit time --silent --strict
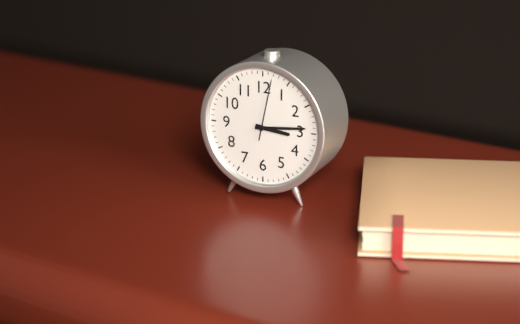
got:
3:14:02
